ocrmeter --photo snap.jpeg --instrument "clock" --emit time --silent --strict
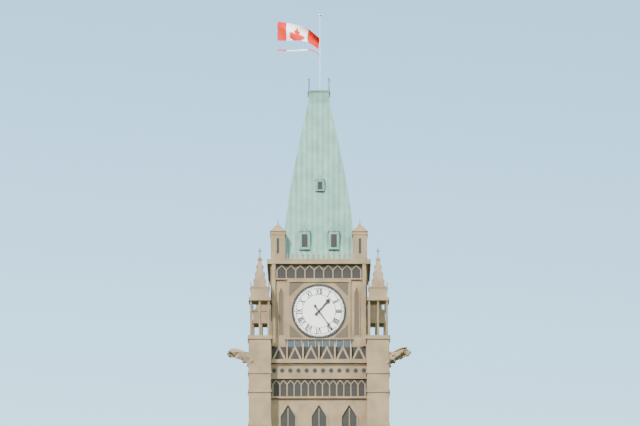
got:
1:24
